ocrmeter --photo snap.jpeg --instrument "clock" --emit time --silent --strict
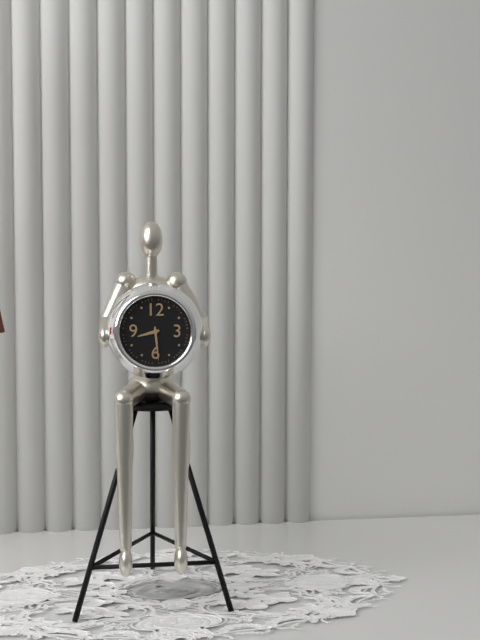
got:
8:29
